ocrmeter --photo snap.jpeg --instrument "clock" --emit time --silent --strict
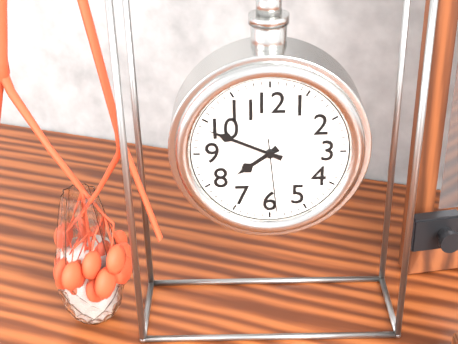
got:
7:49:29
